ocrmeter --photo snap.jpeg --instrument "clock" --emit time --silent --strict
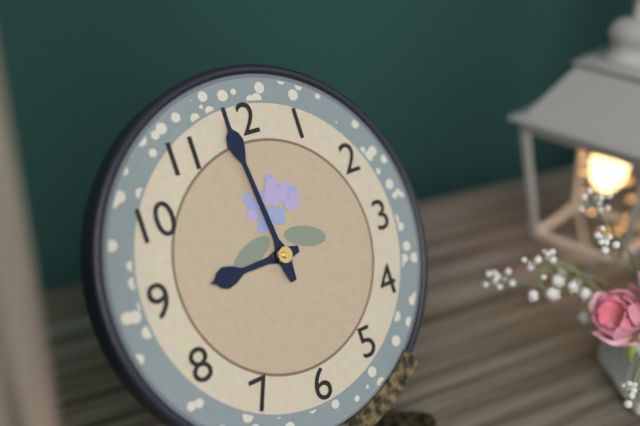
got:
8:59
